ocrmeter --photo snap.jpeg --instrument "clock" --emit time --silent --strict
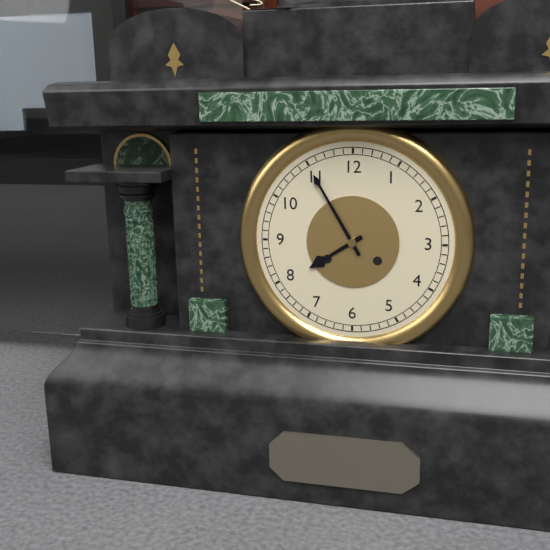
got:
7:55
